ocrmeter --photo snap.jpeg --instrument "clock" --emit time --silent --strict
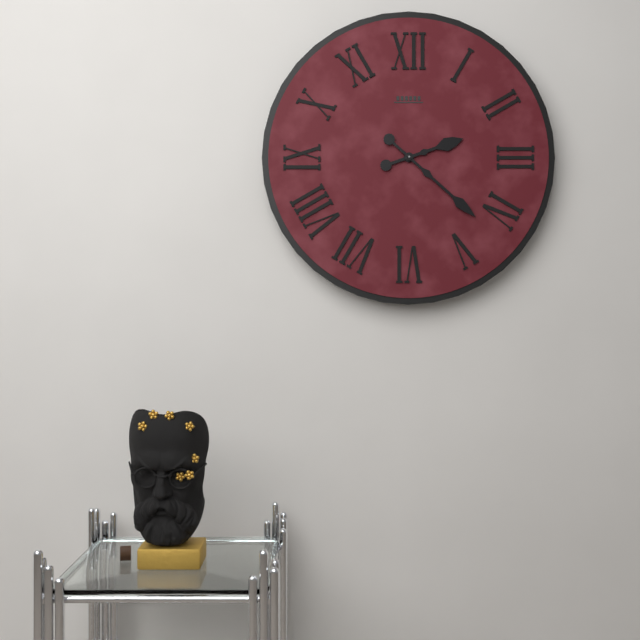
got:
2:22
